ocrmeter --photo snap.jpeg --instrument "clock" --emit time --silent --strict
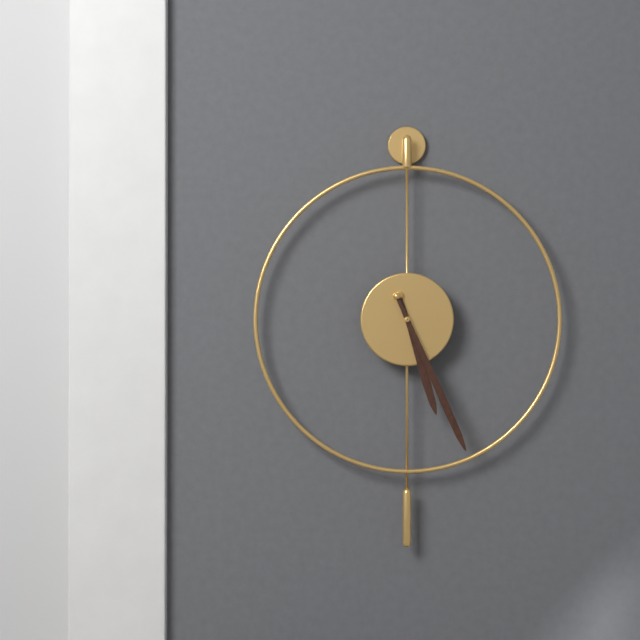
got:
5:26
